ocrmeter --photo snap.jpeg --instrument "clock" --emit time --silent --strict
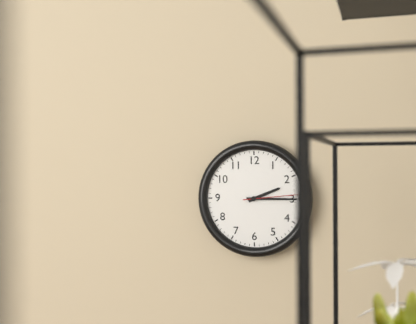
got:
2:15:14
